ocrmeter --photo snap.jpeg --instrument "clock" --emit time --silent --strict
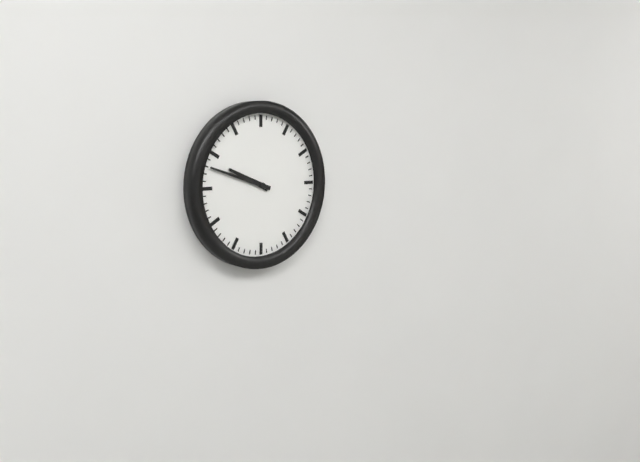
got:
9:48
